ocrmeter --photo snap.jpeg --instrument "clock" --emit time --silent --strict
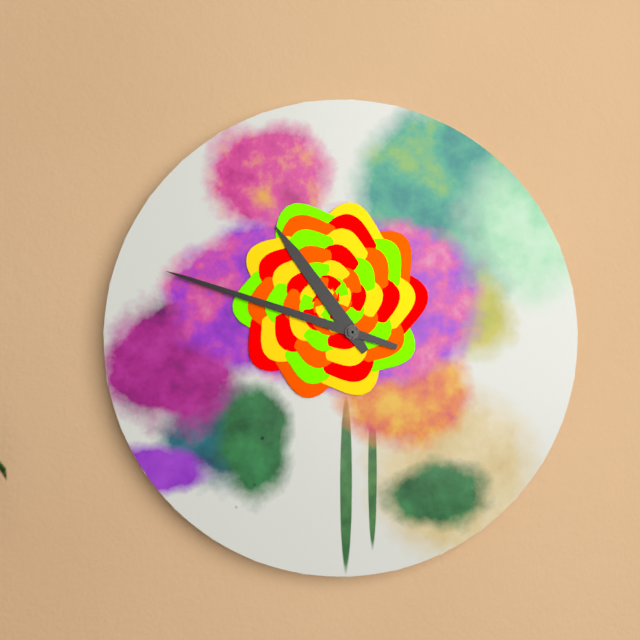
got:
10:48
